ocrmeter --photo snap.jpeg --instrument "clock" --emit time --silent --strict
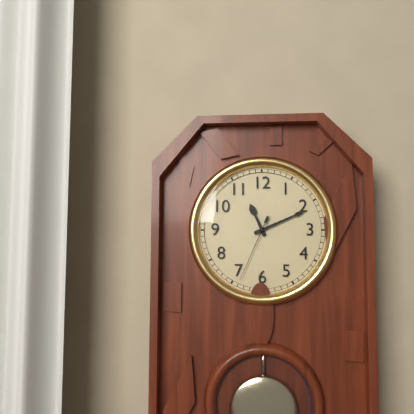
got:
11:11:34
